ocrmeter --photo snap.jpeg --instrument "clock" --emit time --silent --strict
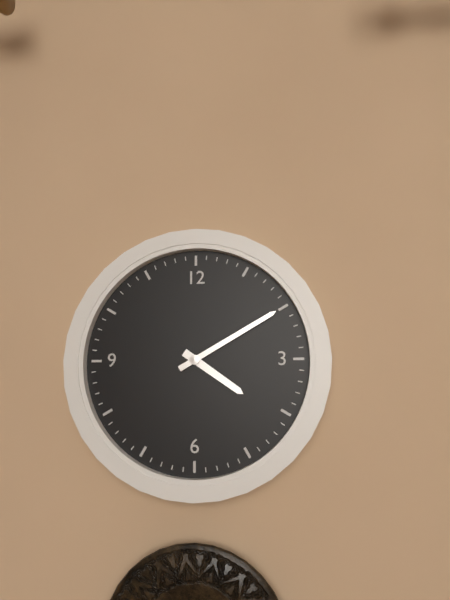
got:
4:10
